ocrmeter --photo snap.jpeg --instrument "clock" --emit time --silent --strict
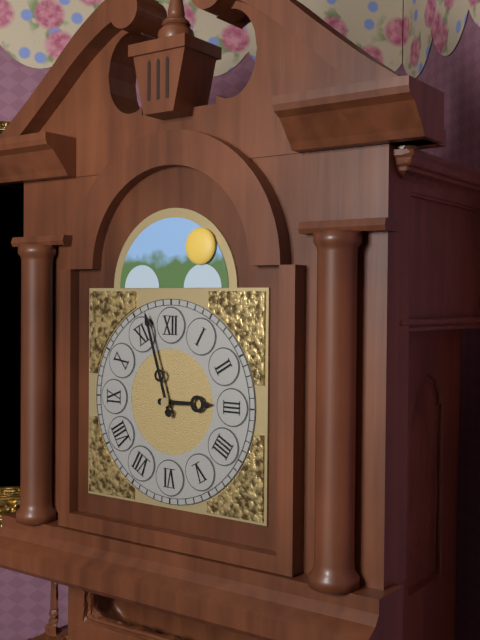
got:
2:57
